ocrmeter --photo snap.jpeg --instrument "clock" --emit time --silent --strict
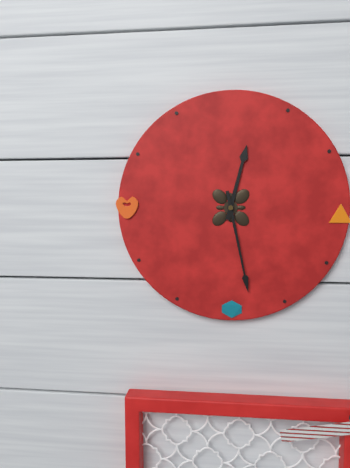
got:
12:28
